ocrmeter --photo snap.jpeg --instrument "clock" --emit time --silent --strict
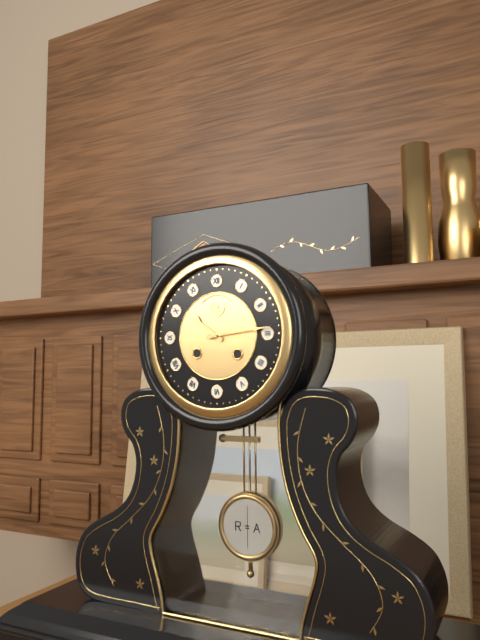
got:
10:14
